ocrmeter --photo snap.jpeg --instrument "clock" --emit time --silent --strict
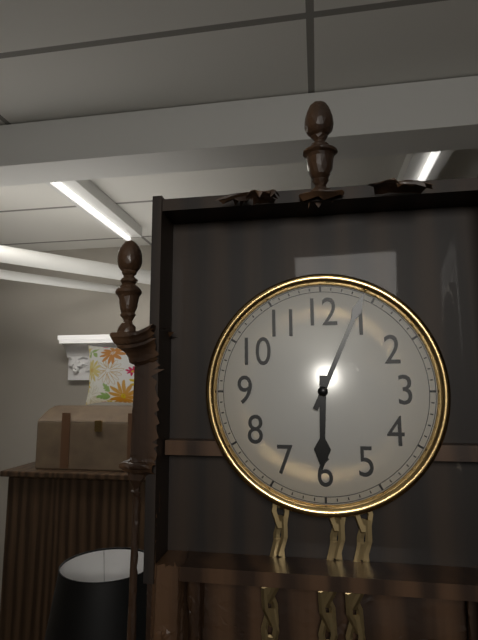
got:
6:04
